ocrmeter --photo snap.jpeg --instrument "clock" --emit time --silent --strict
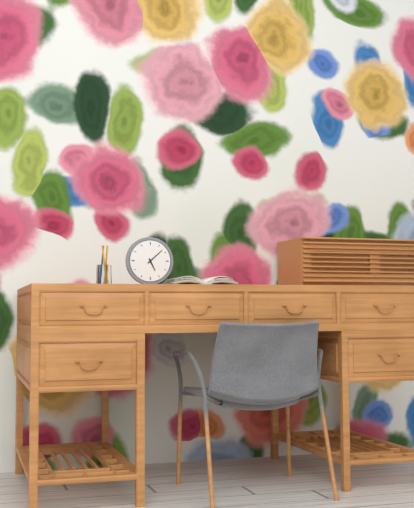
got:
5:08
